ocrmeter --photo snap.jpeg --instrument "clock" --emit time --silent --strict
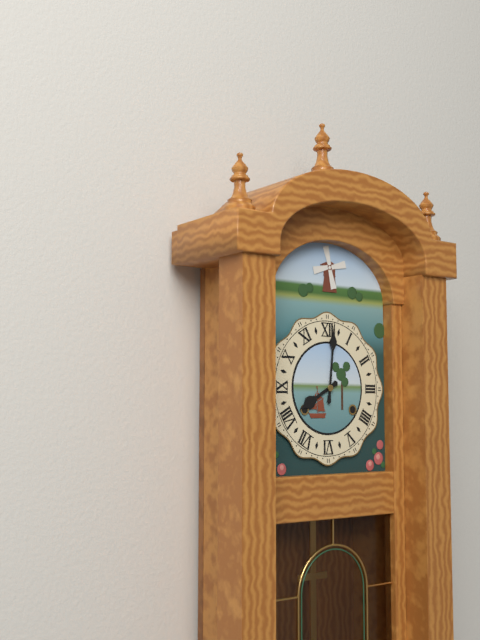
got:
8:01
